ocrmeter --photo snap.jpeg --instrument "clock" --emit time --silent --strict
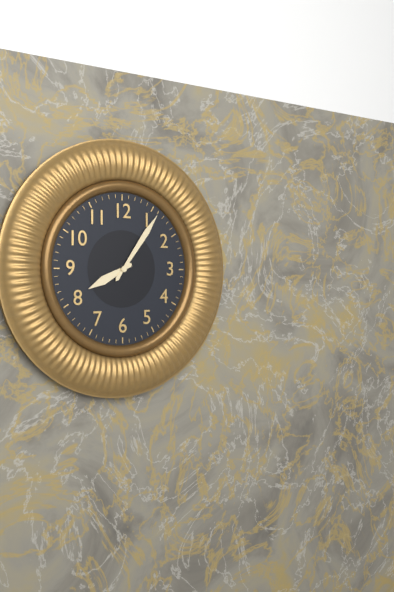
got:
8:06
